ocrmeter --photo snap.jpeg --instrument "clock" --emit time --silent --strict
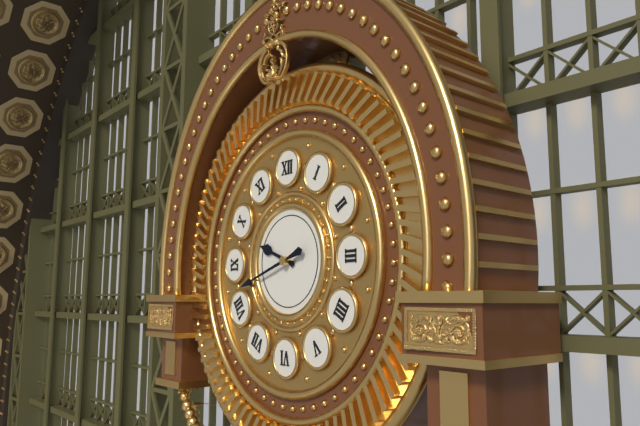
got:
9:42
